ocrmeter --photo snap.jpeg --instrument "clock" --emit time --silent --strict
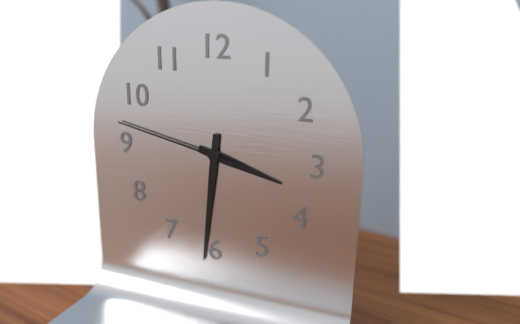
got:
3:31:47
